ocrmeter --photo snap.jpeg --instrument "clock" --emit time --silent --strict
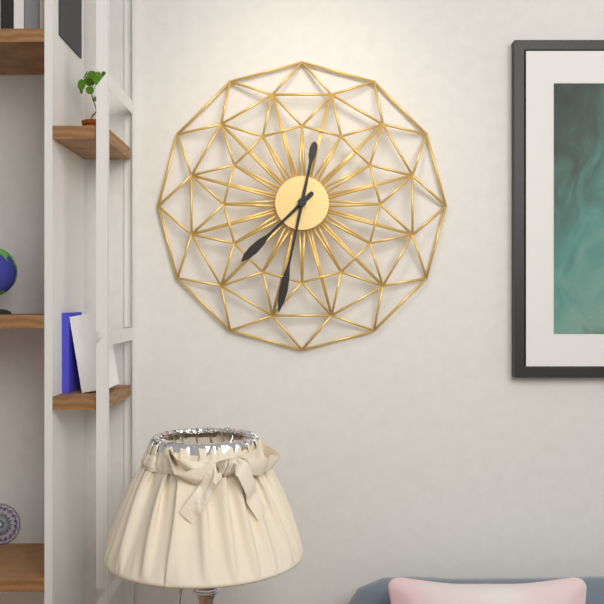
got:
7:32
